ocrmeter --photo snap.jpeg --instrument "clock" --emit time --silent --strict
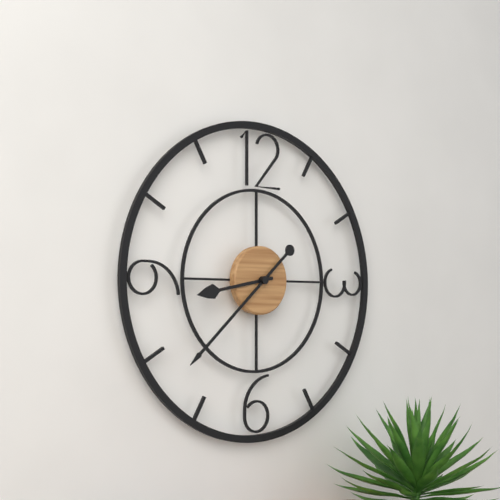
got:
8:38
